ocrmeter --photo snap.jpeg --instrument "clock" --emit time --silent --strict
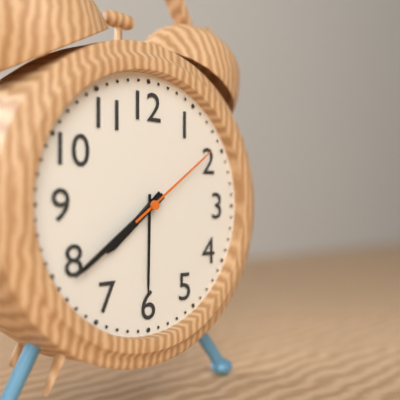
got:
7:39:09
